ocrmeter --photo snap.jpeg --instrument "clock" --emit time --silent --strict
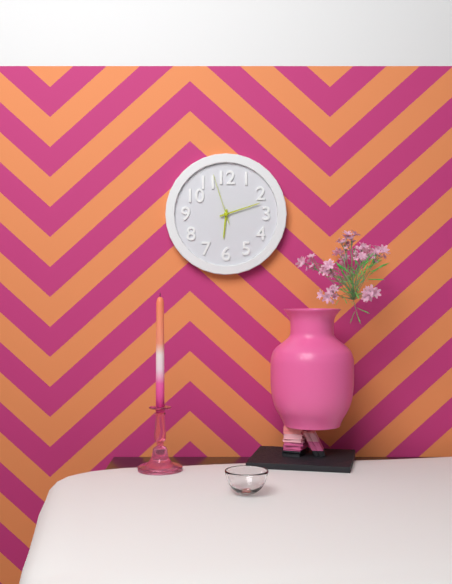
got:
6:12:57
